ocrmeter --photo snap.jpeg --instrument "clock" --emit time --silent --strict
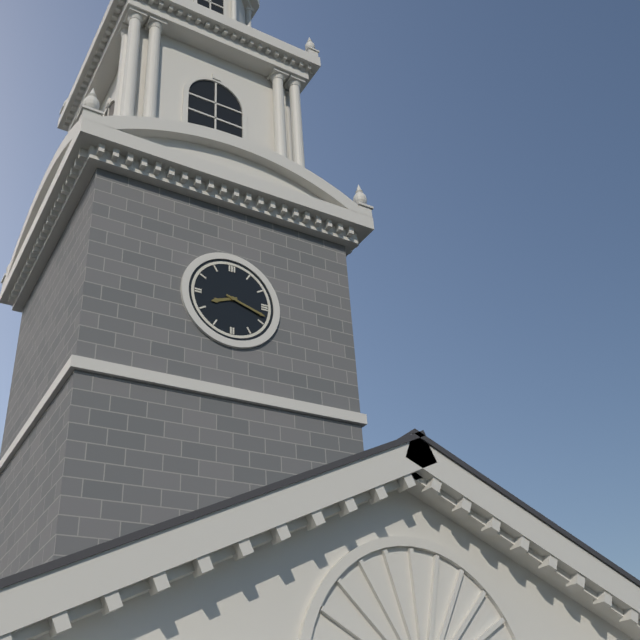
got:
8:18
